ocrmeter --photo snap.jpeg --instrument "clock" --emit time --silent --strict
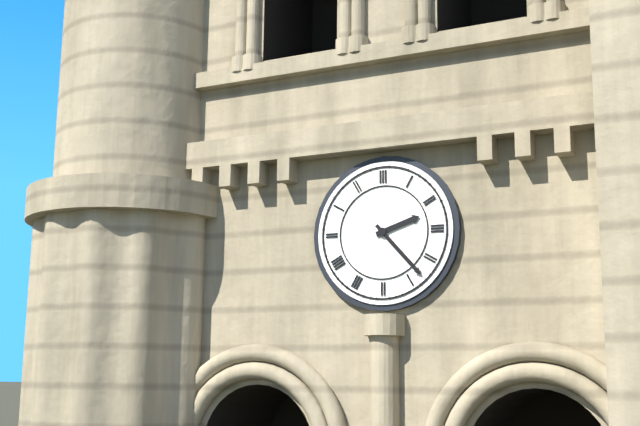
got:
2:23
